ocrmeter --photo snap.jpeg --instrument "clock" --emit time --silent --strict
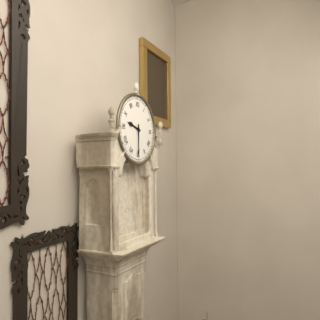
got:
9:30
